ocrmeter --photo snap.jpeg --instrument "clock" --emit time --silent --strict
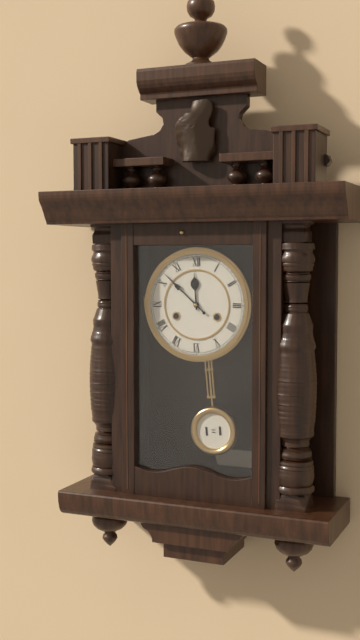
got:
11:52
